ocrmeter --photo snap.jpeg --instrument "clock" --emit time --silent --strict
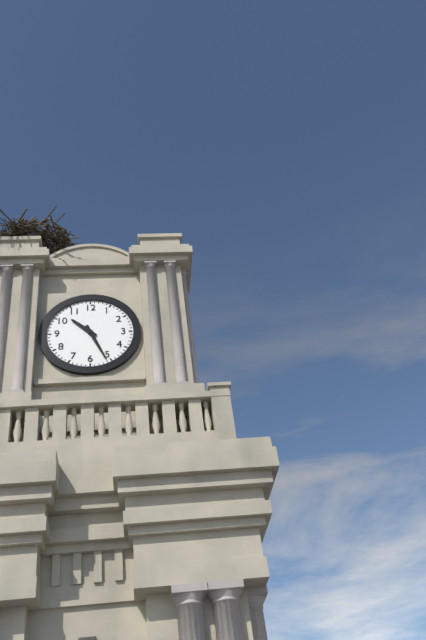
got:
10:26
